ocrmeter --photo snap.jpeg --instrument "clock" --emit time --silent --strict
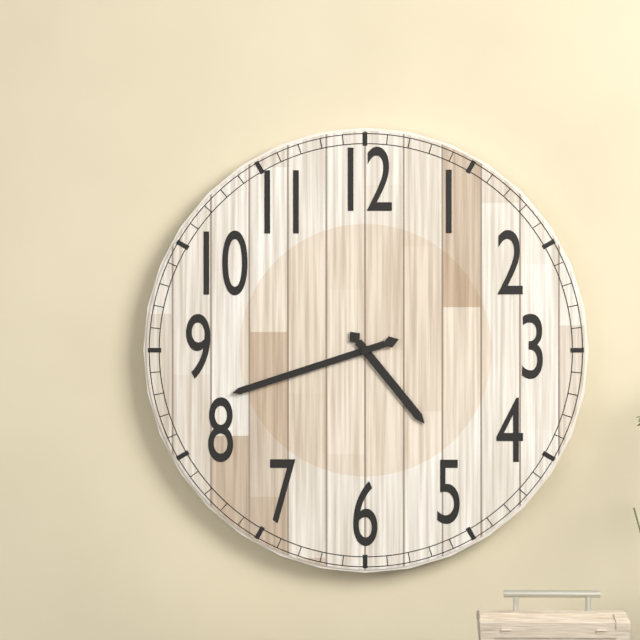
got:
4:42
